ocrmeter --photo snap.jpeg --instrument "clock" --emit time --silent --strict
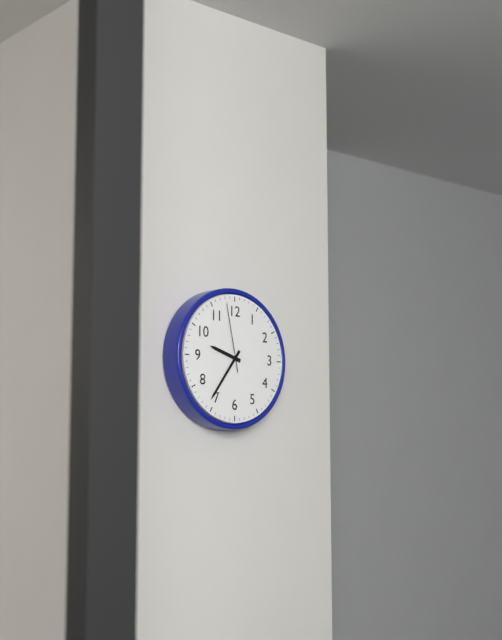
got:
9:36:58
